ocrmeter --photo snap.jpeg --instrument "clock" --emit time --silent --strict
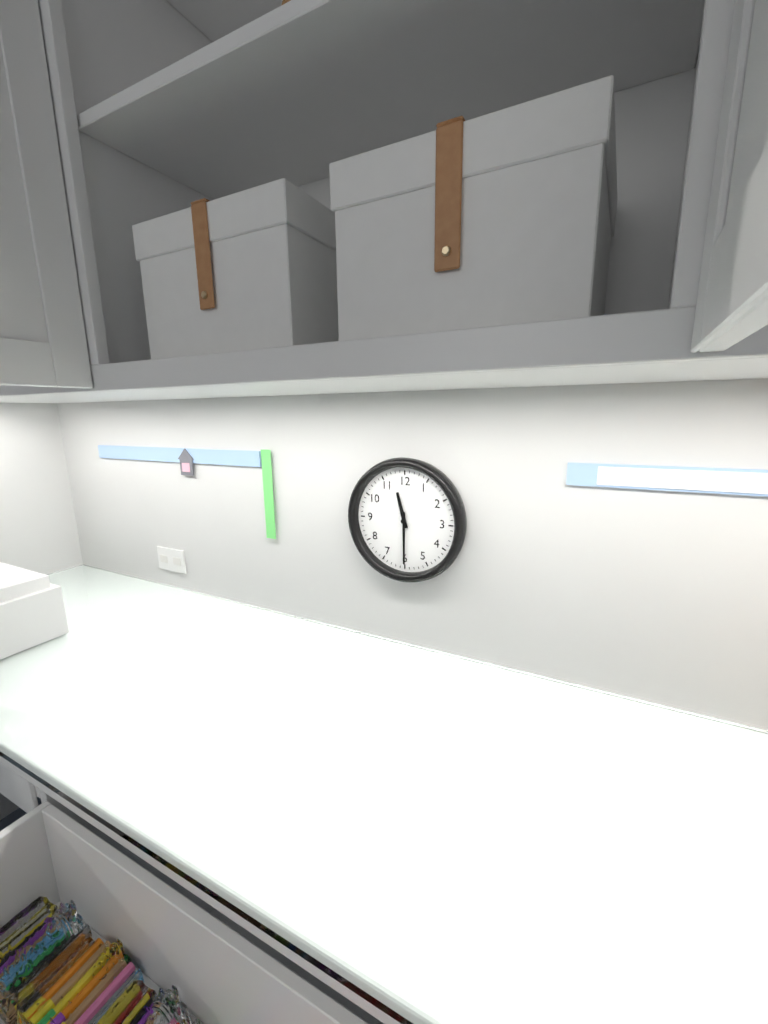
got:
11:30
